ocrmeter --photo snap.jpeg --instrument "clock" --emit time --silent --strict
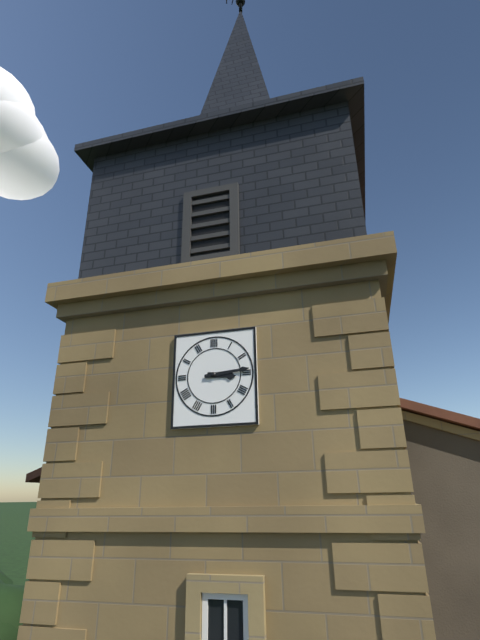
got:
3:14
